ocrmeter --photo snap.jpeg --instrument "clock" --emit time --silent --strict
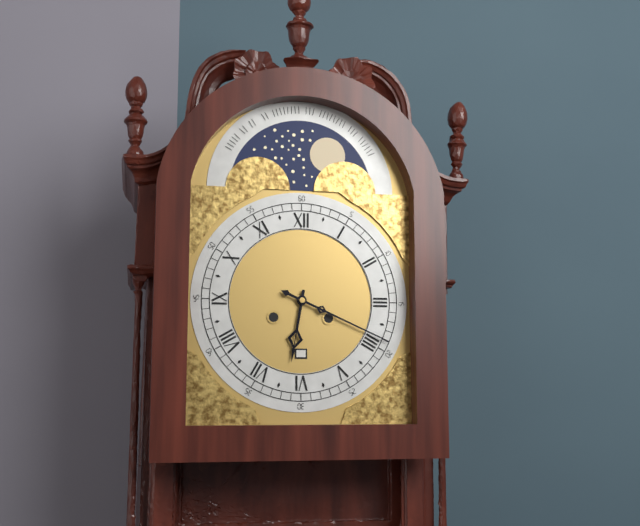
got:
6:19
